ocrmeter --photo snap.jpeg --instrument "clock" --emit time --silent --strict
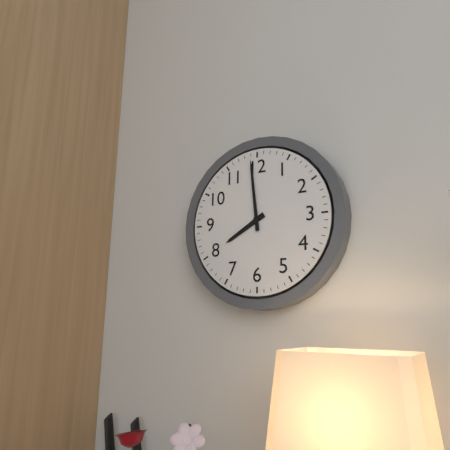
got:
7:59
